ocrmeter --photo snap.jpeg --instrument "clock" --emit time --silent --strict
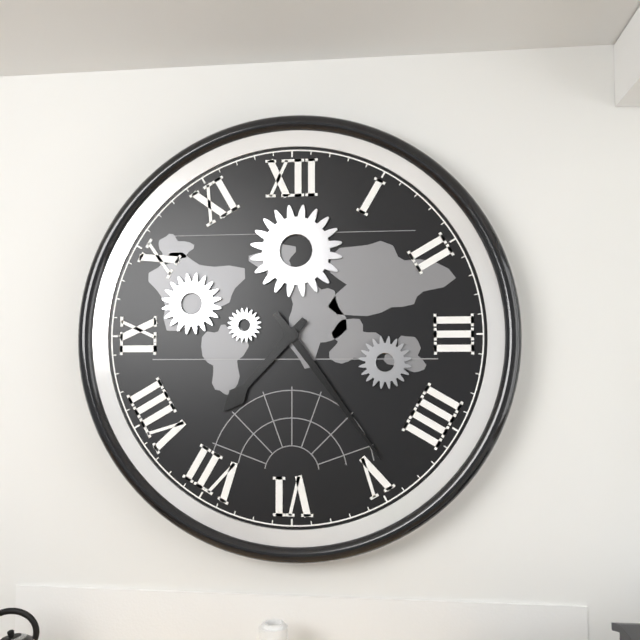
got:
7:24
